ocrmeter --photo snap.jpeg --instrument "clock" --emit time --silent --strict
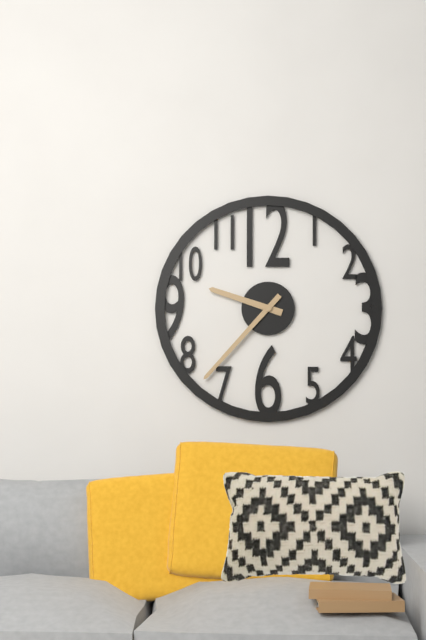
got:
9:37
